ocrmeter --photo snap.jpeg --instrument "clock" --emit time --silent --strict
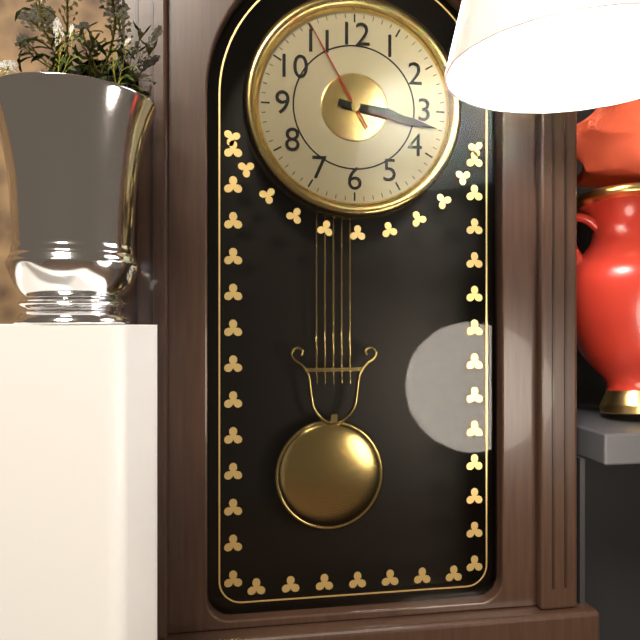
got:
3:17:55
